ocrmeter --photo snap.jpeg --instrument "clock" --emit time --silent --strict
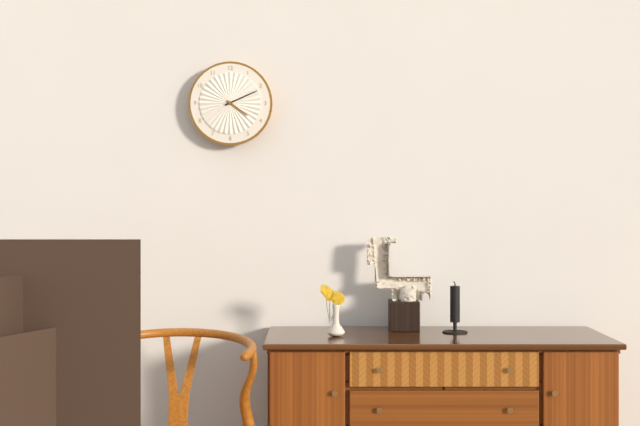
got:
4:11
